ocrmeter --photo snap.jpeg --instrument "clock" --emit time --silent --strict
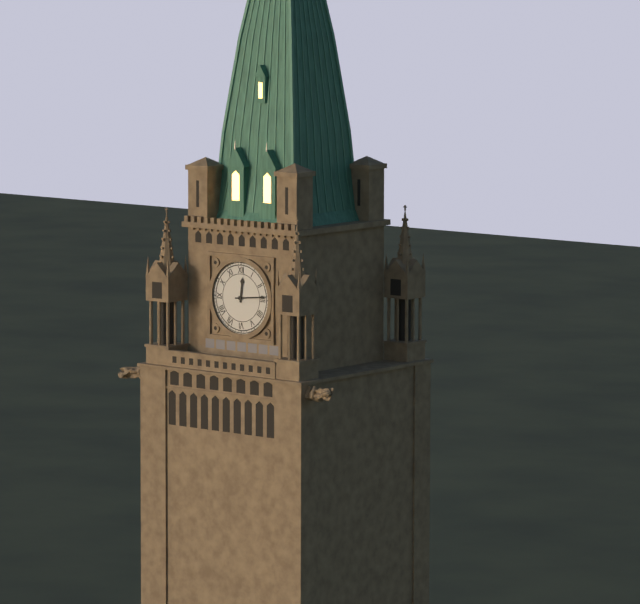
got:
12:14
